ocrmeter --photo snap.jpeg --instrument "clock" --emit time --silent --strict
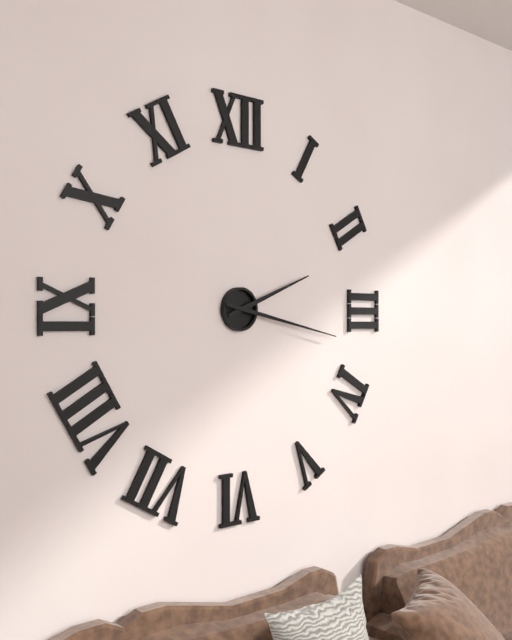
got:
2:17
